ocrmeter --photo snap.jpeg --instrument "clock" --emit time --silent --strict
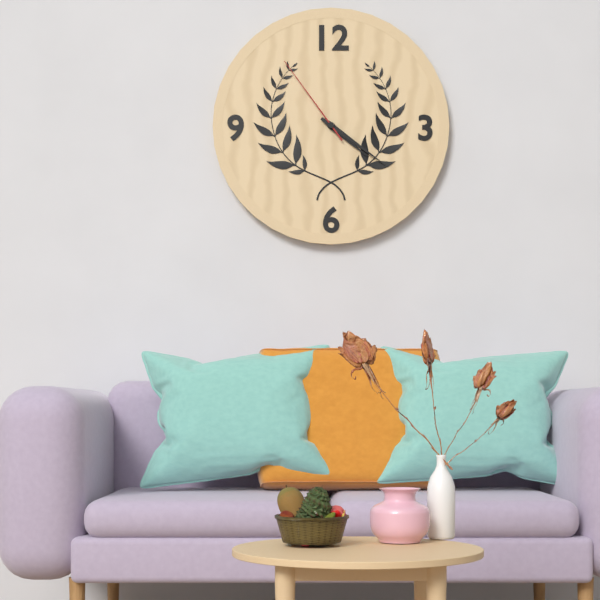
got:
4:21:54
